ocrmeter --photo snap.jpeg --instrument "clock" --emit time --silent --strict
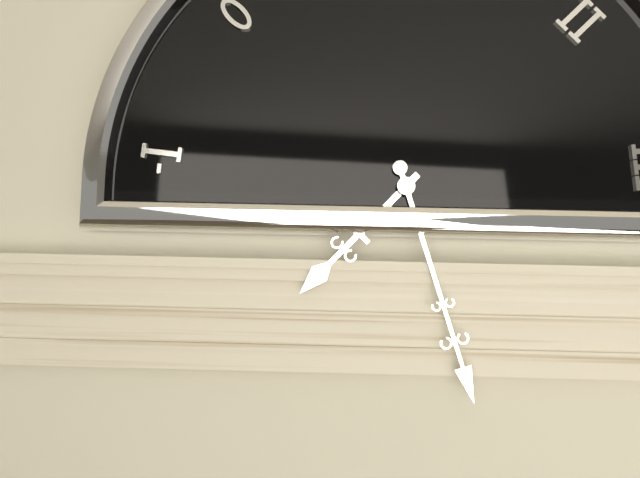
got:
7:27
